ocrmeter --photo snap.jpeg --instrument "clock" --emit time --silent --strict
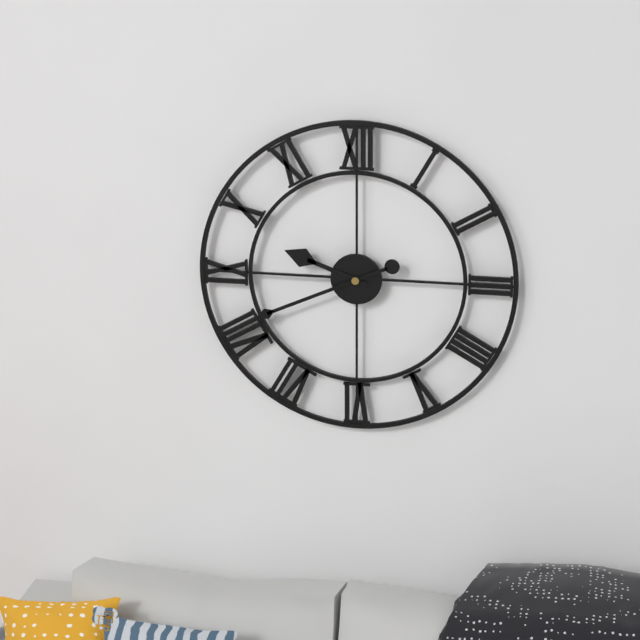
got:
9:41
